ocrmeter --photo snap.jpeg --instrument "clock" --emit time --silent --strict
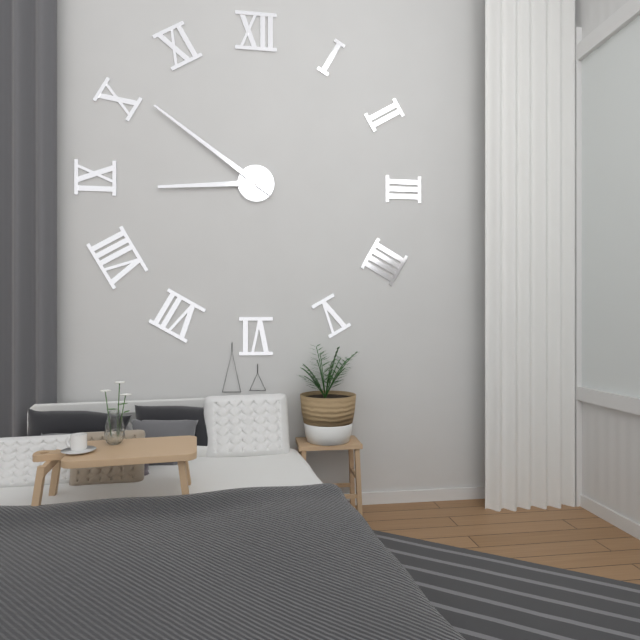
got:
8:51
